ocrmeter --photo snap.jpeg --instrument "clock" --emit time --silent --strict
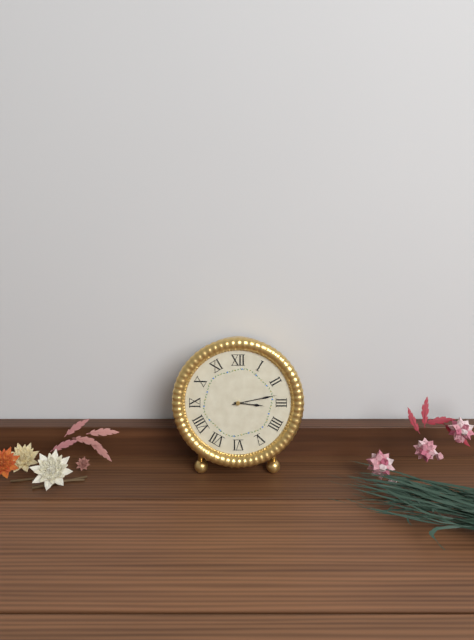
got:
3:13
